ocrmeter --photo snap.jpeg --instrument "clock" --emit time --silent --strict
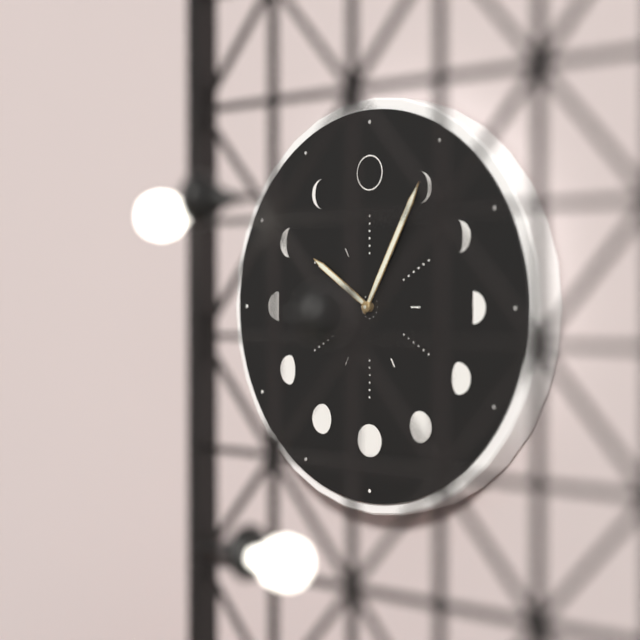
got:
10:05
